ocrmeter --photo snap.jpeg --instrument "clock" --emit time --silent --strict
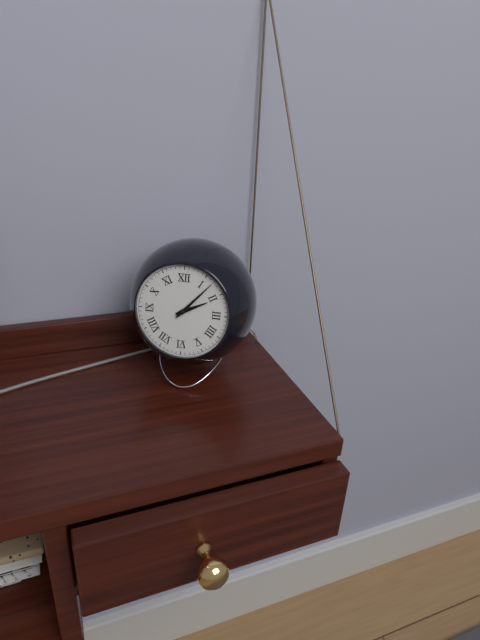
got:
2:07
